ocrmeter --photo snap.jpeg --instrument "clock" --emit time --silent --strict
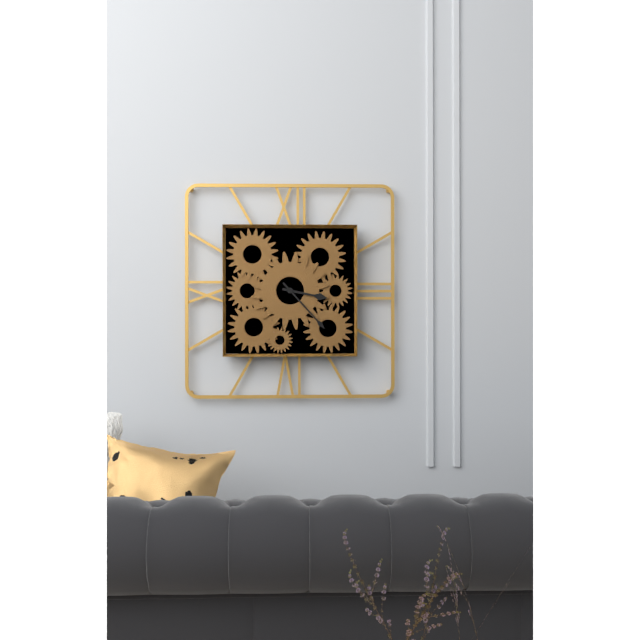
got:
3:23
